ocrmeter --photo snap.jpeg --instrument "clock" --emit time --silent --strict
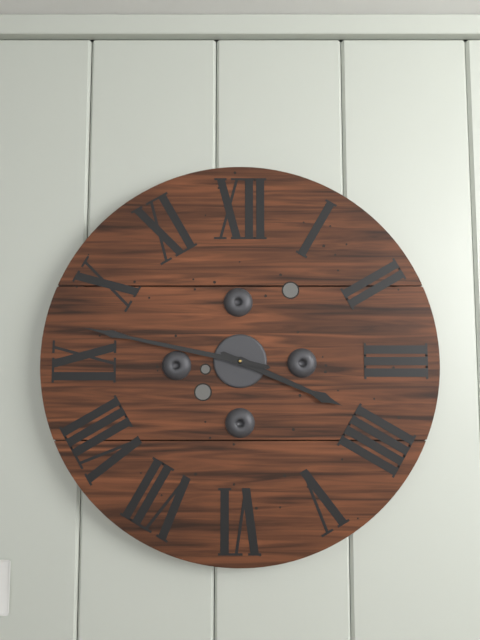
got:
3:47
